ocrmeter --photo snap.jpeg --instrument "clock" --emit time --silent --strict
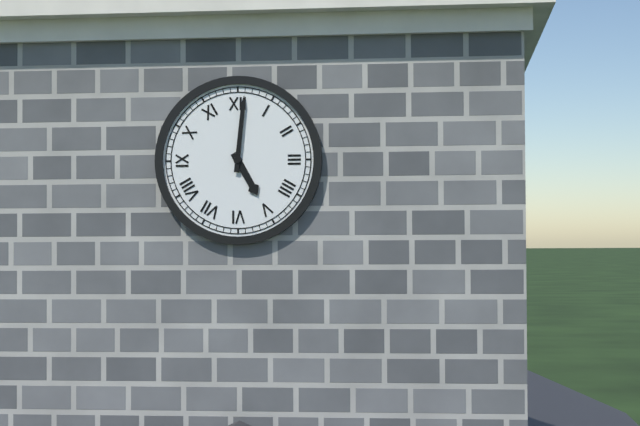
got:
5:01
